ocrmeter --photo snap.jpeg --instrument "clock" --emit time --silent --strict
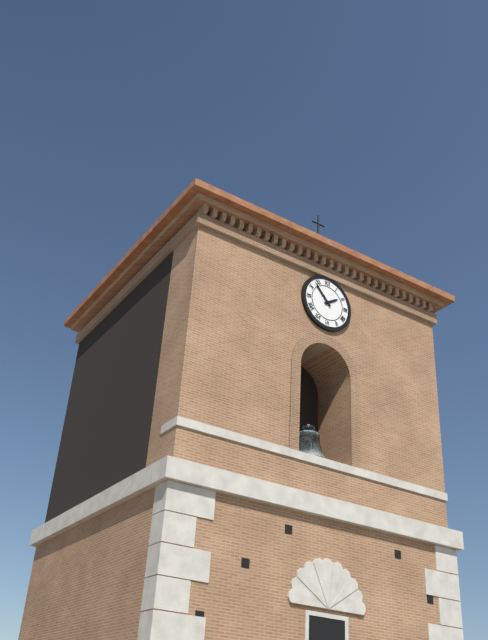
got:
1:53
